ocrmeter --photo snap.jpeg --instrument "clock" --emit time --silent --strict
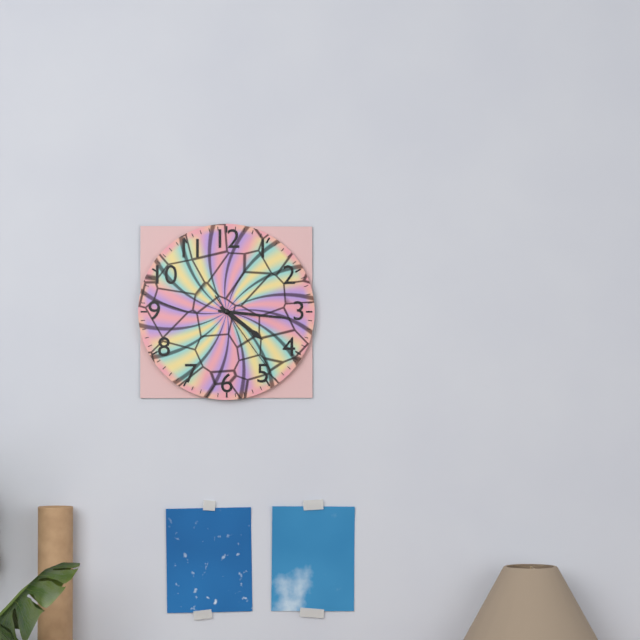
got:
4:16:24
